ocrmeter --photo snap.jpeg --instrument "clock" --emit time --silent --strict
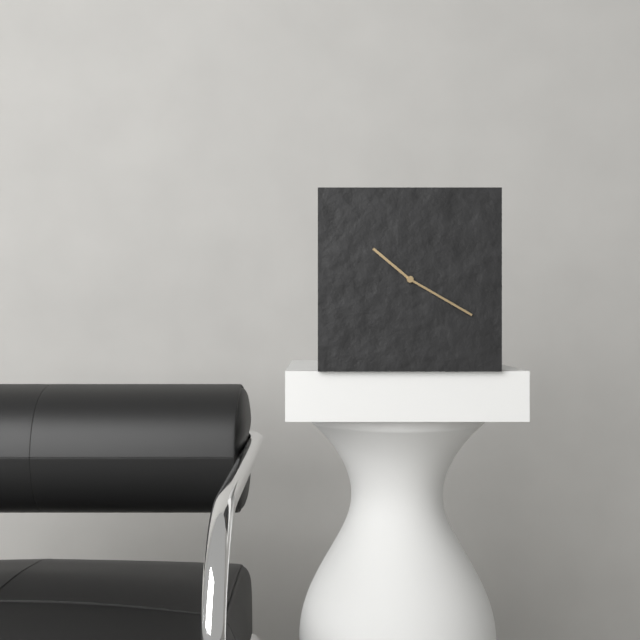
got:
10:20
